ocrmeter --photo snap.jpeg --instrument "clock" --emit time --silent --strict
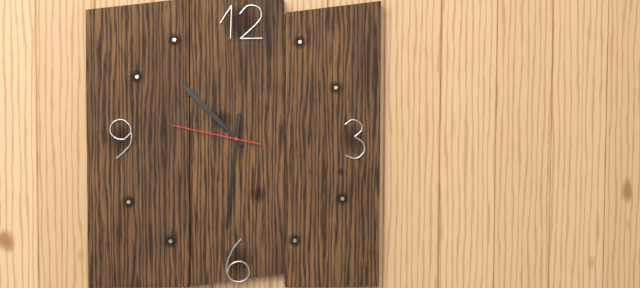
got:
10:31:47
